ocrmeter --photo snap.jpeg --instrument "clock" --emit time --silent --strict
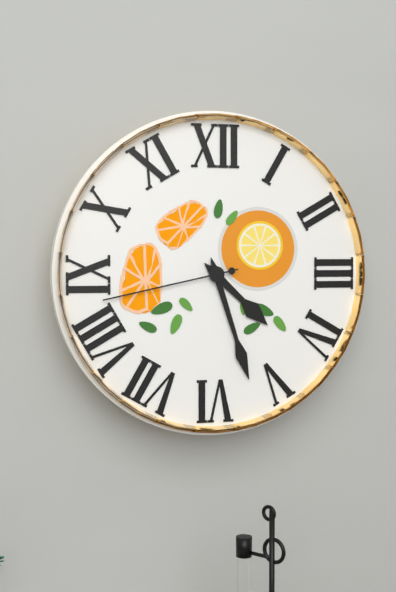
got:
4:27:43
